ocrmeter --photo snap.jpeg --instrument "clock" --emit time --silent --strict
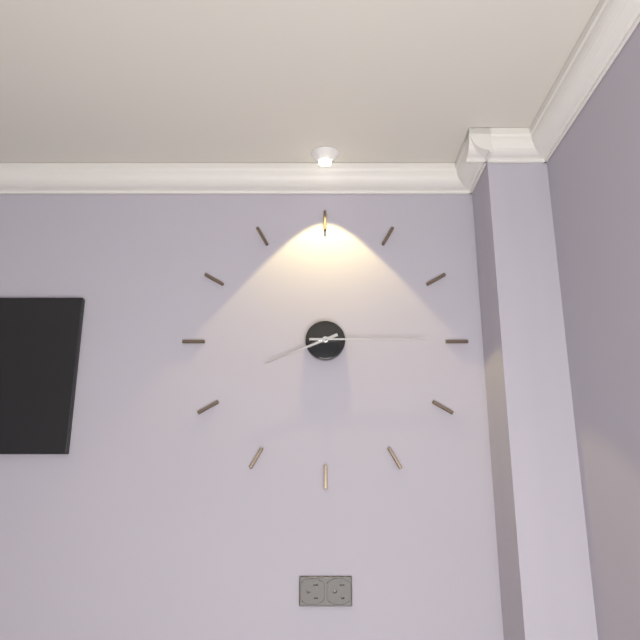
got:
8:15
